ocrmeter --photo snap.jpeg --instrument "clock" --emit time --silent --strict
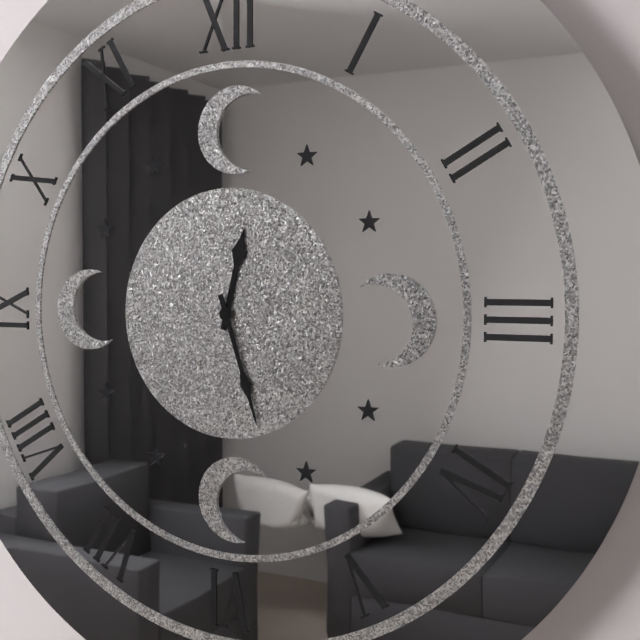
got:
12:27
